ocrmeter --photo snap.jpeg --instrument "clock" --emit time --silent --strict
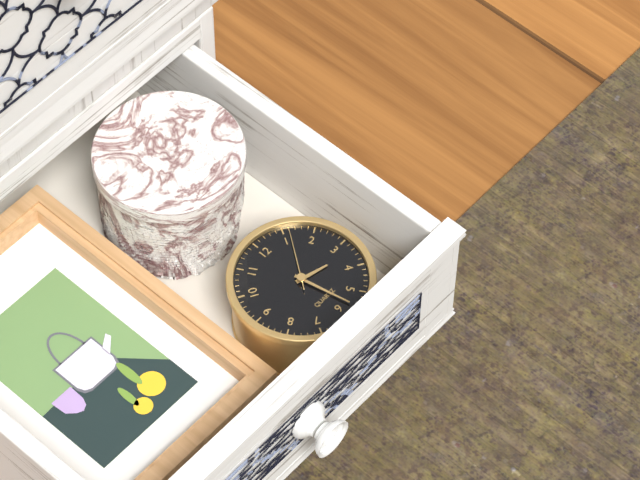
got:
3:28:06
